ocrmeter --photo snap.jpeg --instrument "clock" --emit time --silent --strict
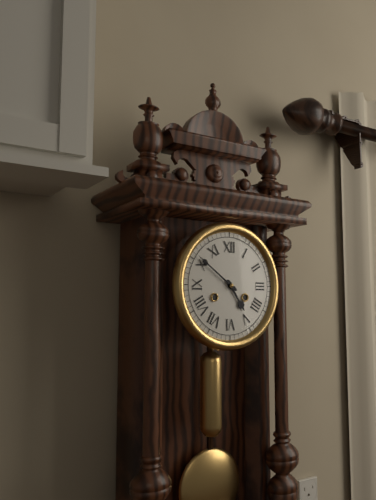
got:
4:51
